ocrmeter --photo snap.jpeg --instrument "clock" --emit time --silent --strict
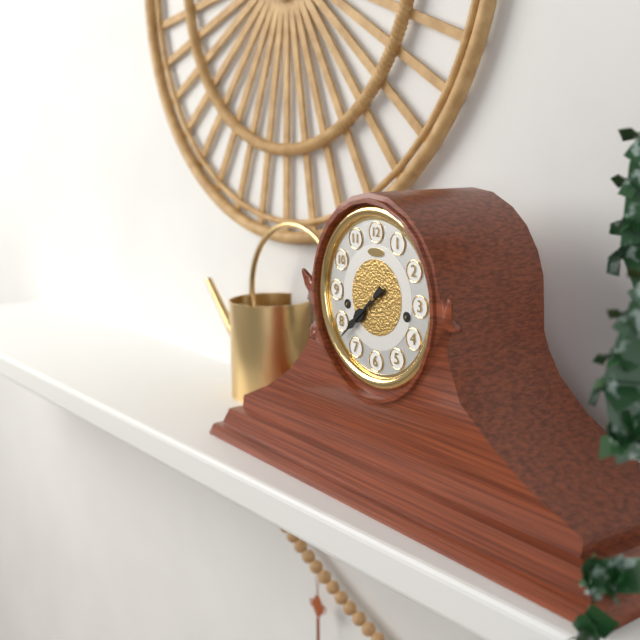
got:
7:38
